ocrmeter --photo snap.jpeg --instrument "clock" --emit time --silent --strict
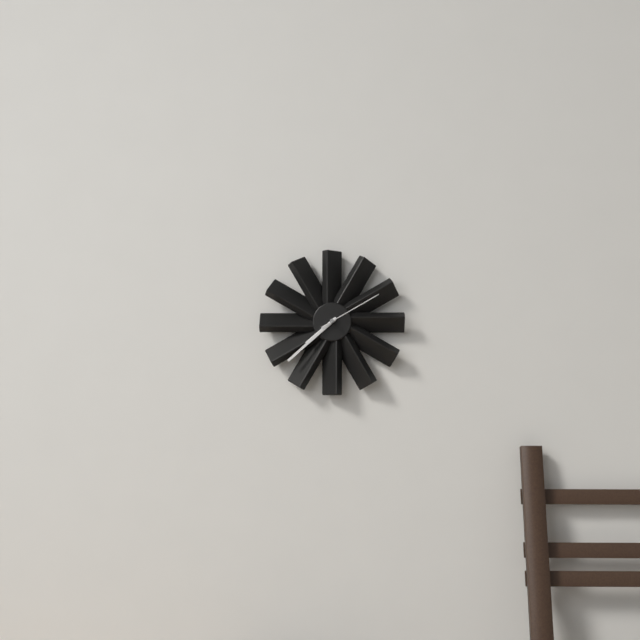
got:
7:38:10
